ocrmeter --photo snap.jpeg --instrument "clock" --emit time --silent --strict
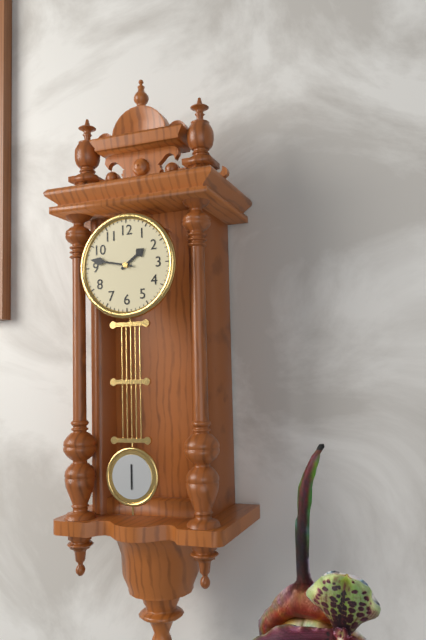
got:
1:47
